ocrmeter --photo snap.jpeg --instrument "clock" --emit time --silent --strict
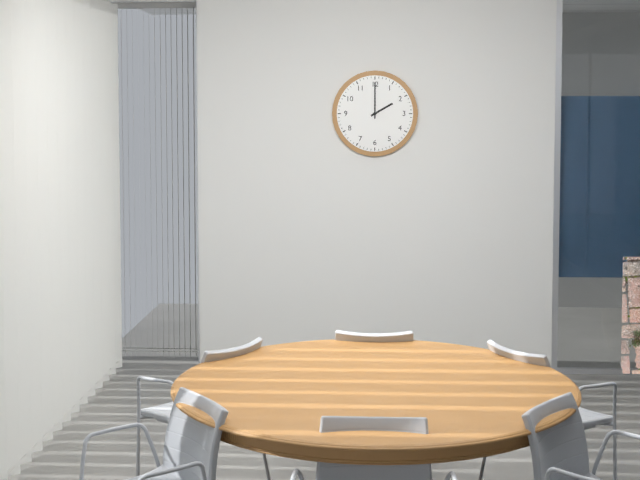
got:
2:00
